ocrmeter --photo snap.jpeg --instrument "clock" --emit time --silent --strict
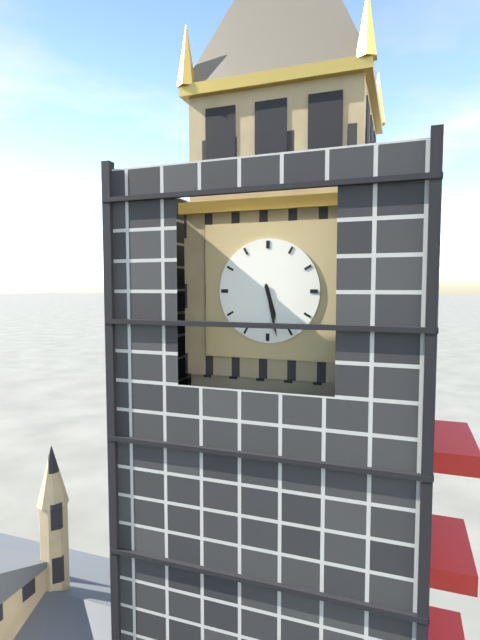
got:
5:28
